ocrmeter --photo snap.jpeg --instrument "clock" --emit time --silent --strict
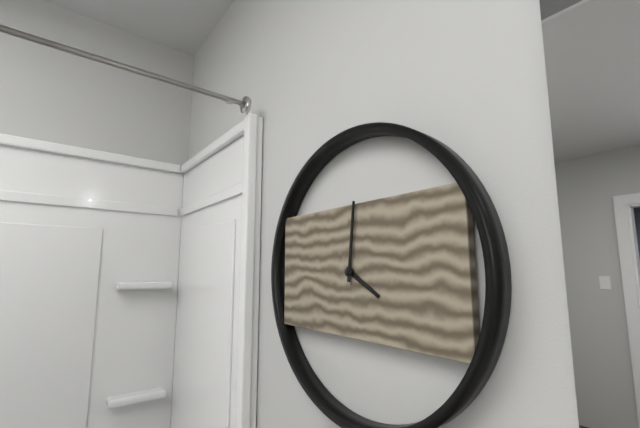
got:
4:01
